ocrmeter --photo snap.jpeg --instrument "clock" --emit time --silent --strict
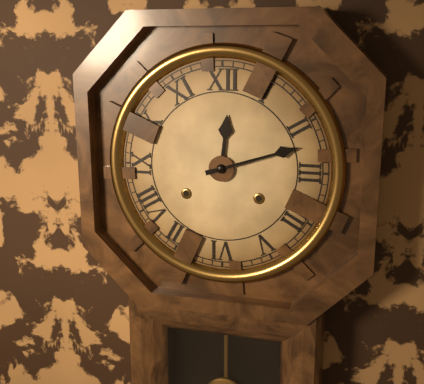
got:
12:12
